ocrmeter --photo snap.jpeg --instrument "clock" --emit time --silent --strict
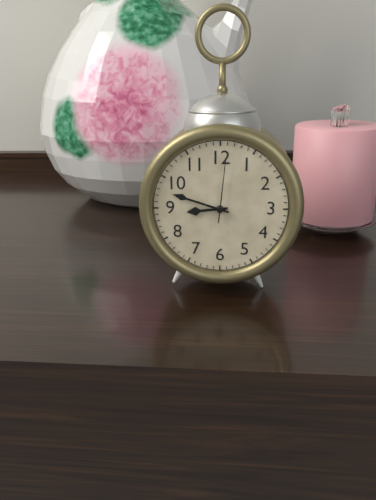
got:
8:48:01
